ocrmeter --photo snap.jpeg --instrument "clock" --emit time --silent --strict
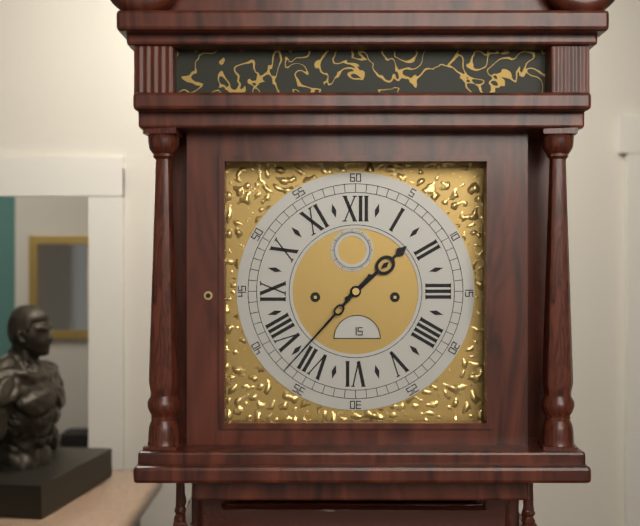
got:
1:37
